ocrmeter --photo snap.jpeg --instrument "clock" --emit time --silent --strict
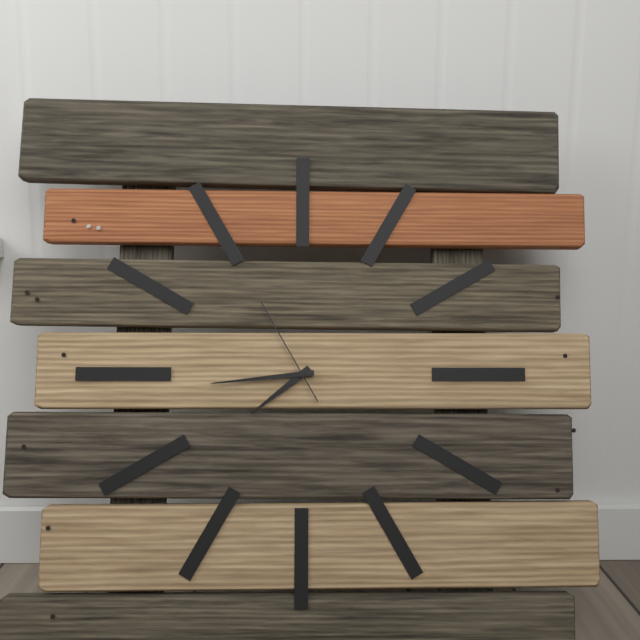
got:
7:44:55
